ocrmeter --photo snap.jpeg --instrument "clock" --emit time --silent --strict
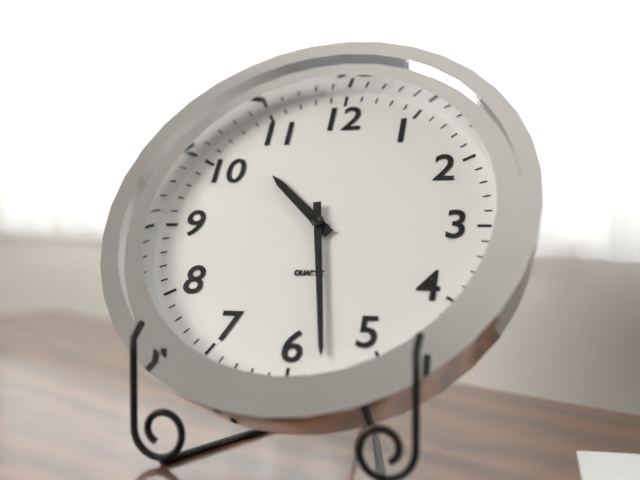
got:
10:28
